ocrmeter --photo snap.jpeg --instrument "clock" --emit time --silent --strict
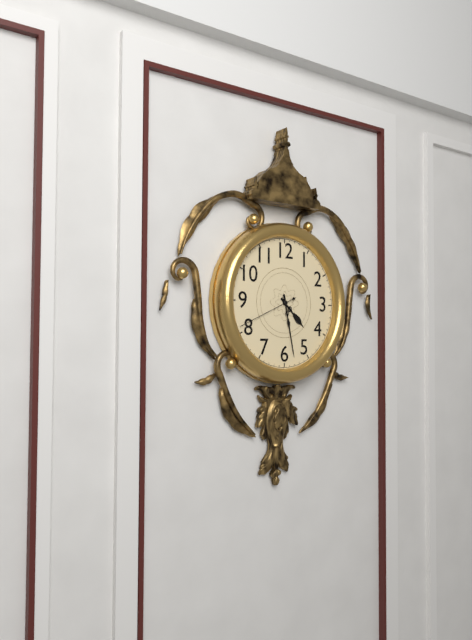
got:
4:28:41
